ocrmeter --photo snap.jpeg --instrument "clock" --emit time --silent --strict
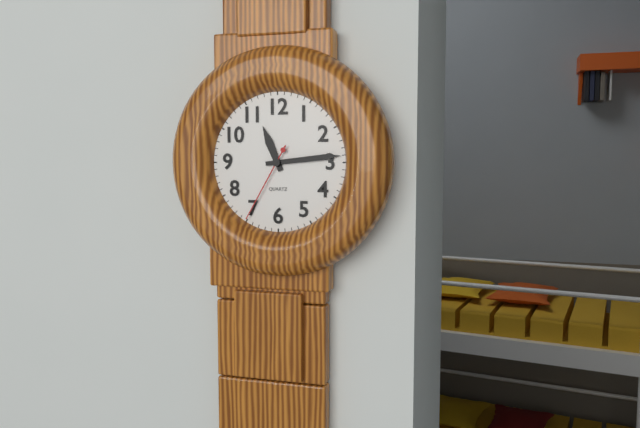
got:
11:14:35
